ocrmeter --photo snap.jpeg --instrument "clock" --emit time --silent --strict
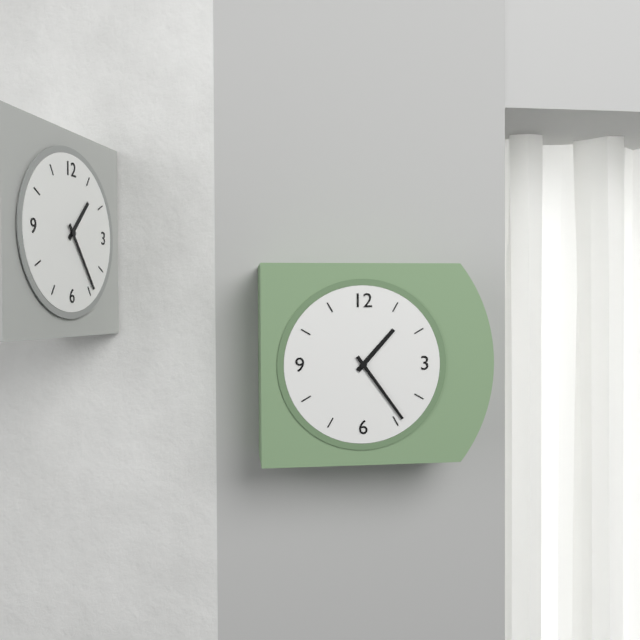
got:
1:24
